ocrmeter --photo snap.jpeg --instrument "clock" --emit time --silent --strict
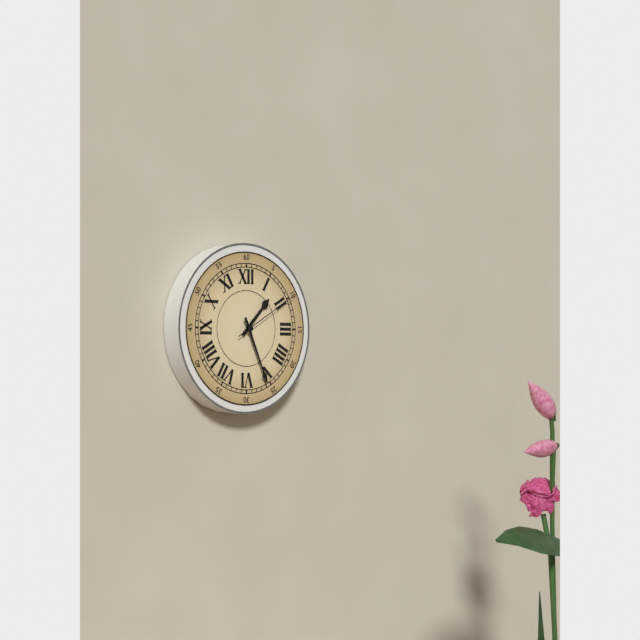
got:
1:26:10
